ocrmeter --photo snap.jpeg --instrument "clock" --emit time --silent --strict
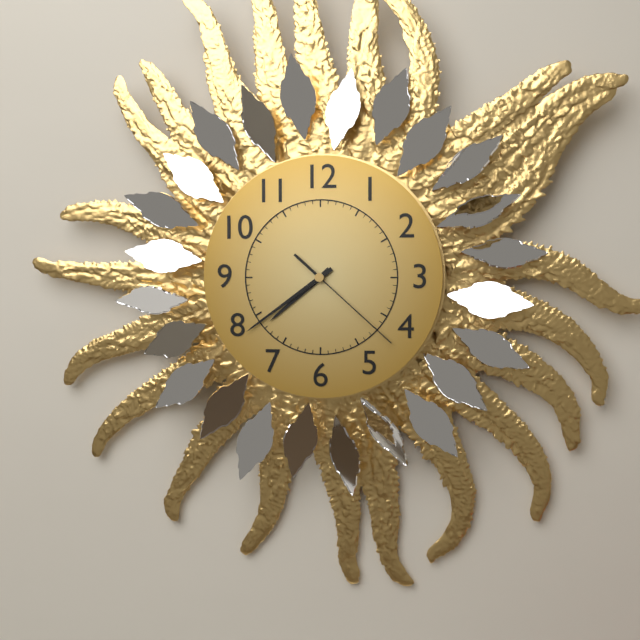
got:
7:39:22
